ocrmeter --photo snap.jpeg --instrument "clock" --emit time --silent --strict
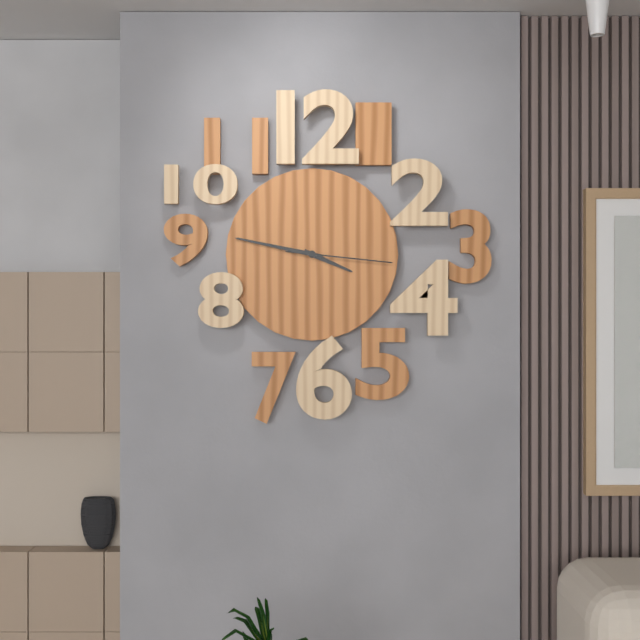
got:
3:47:16
